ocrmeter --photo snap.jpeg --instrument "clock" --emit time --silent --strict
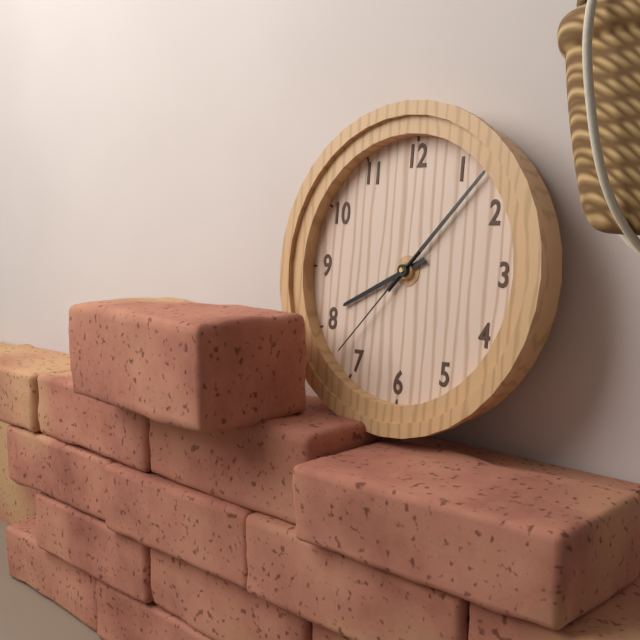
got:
8:07:37
